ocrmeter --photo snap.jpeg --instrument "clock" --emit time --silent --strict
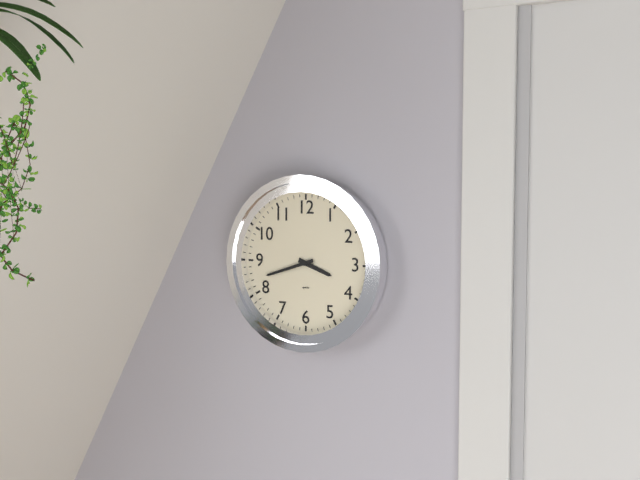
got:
3:42
